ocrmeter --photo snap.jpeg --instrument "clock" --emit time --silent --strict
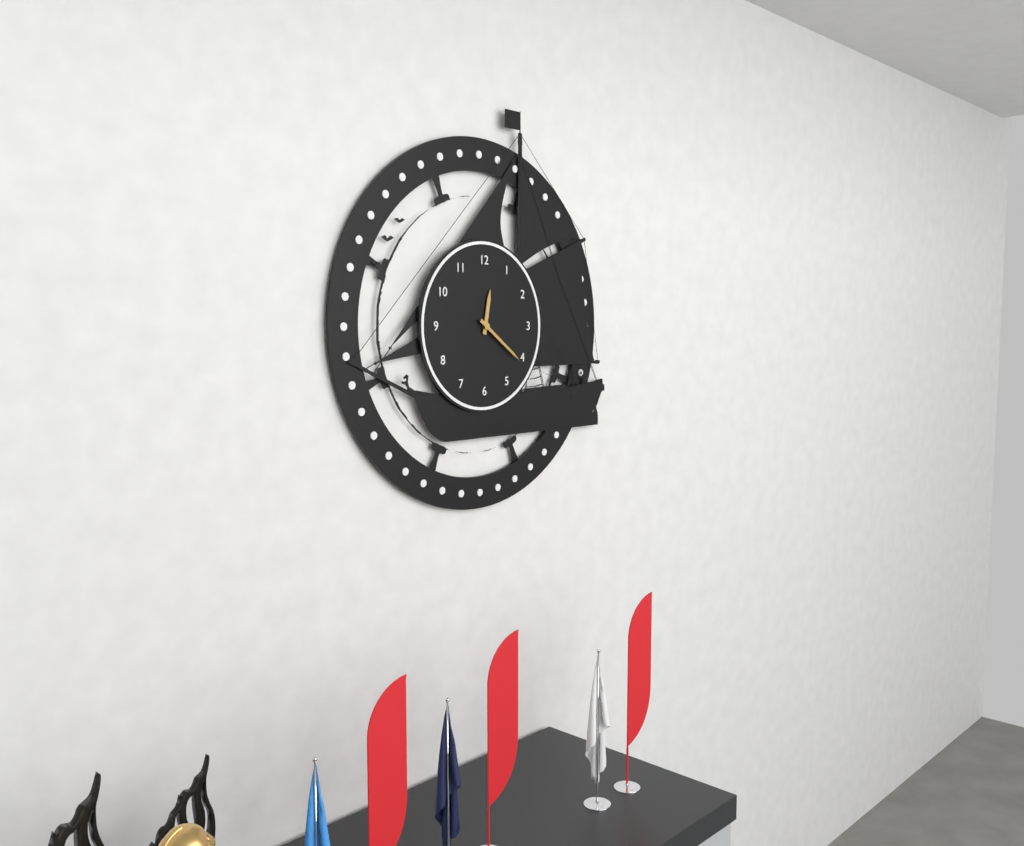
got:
12:21
